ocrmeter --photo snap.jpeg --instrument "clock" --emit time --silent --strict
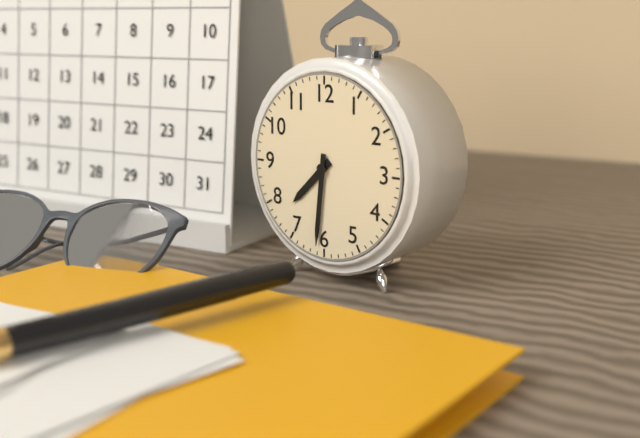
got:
7:31
